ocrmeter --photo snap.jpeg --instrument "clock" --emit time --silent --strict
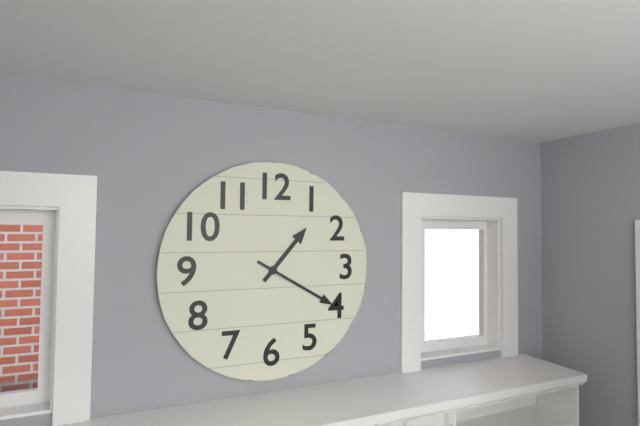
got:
1:20
